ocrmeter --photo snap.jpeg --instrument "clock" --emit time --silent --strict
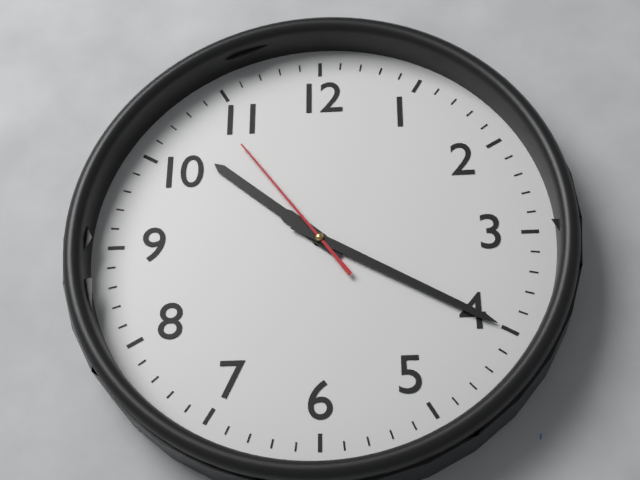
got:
10:20:54
